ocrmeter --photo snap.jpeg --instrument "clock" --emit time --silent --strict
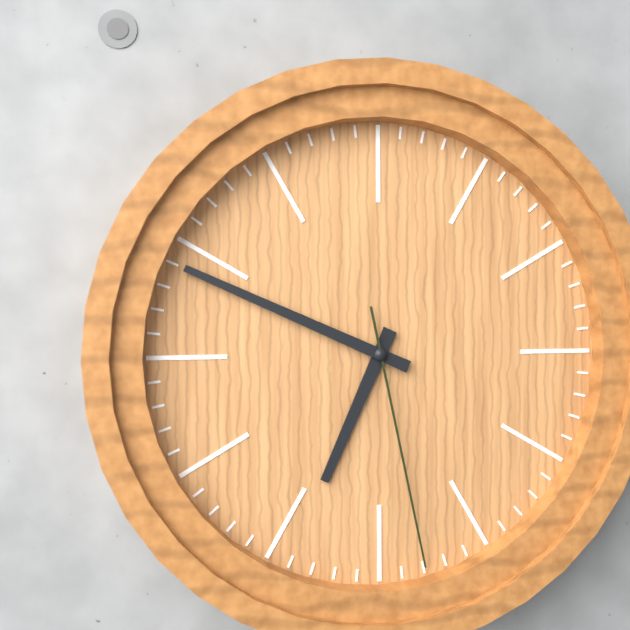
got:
6:49:28
